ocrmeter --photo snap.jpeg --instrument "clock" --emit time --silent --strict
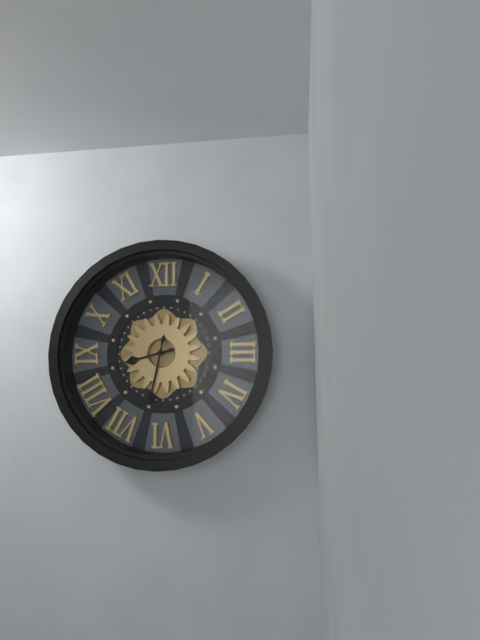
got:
8:32
